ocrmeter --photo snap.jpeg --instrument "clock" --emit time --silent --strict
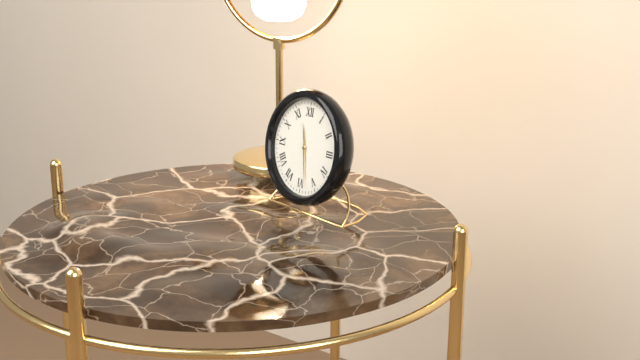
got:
11:28
